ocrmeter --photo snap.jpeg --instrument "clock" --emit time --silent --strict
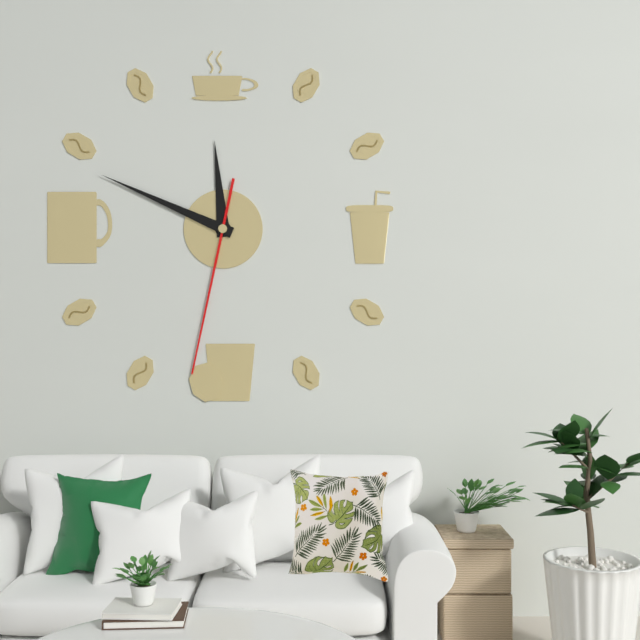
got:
11:49:32
